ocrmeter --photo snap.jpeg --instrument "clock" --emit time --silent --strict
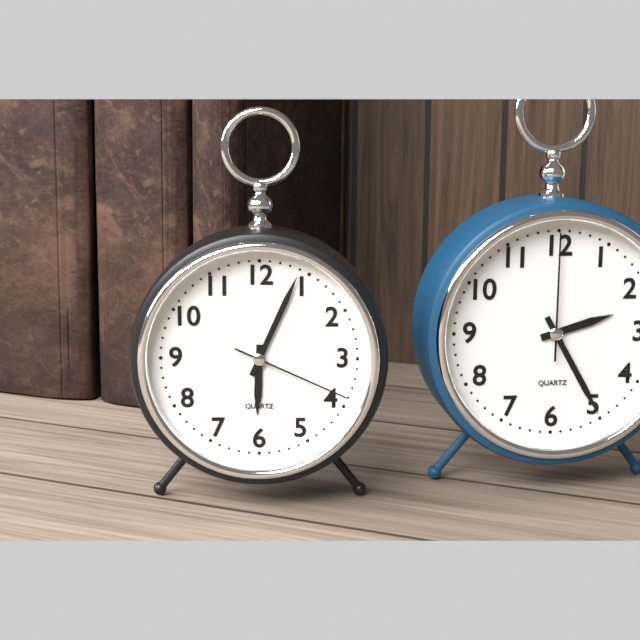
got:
6:04:19
